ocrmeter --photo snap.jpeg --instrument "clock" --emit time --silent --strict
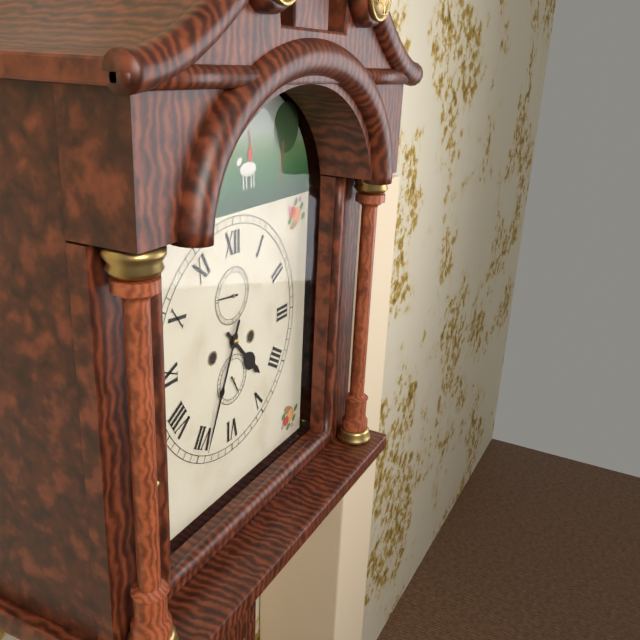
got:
4:34
